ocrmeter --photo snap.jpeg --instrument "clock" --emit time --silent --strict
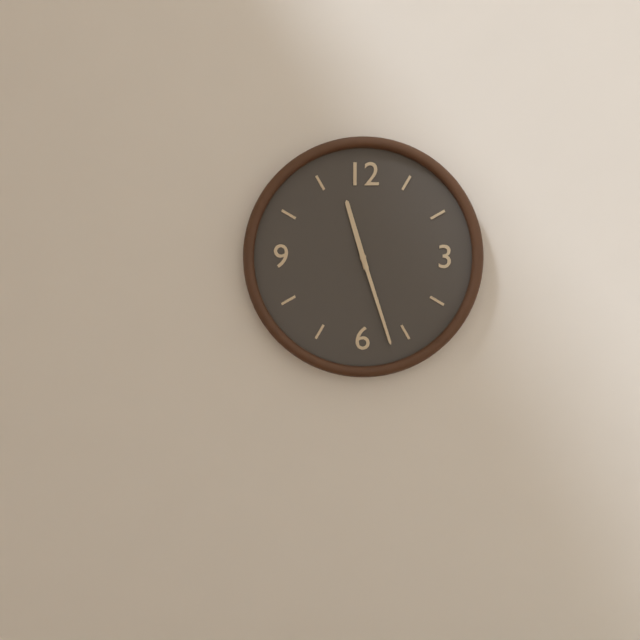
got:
11:27
